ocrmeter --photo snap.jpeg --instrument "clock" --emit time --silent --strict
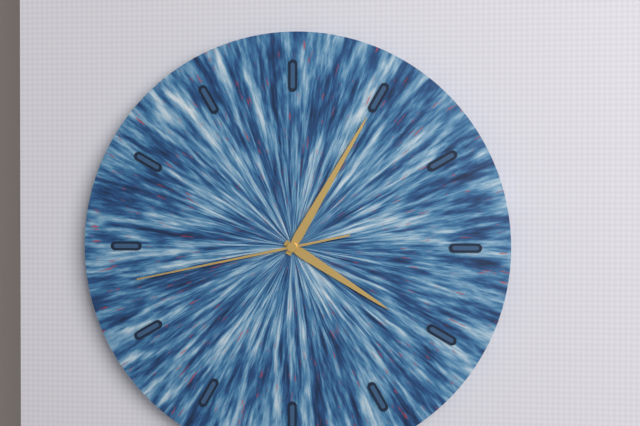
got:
4:05:43
